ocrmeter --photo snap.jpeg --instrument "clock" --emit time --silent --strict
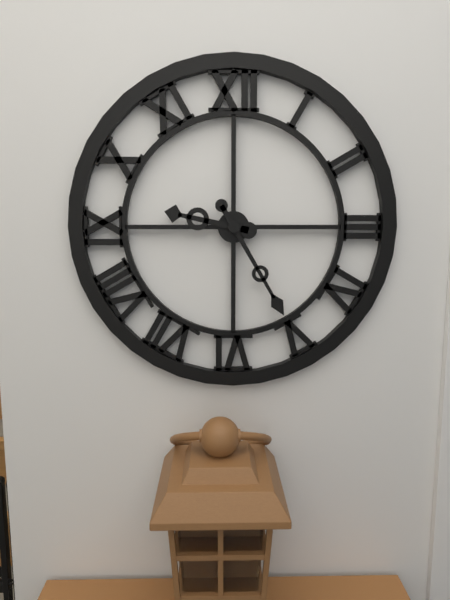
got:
9:25
